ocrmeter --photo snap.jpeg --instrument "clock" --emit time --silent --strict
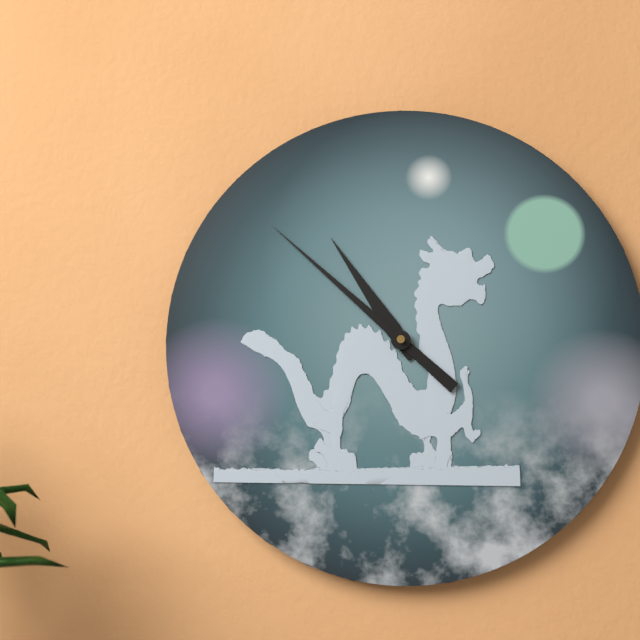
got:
10:52
